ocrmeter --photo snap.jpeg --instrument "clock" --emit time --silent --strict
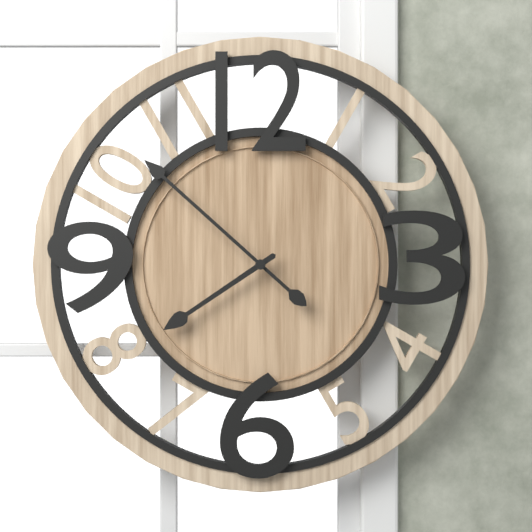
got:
7:52
